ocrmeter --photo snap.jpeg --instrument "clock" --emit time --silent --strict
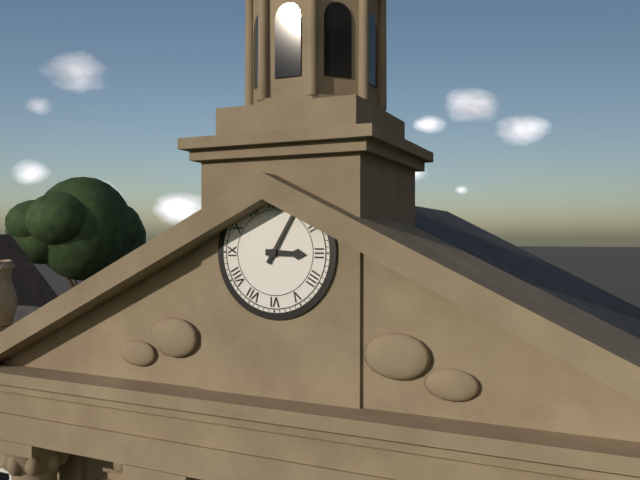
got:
3:05
